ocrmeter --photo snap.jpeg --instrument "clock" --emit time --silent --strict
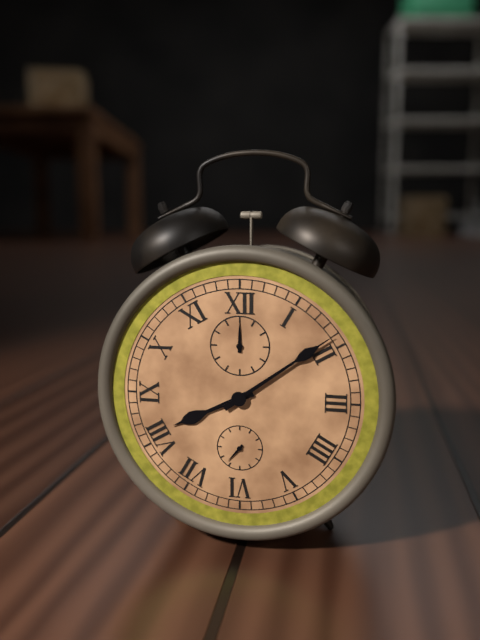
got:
8:09
